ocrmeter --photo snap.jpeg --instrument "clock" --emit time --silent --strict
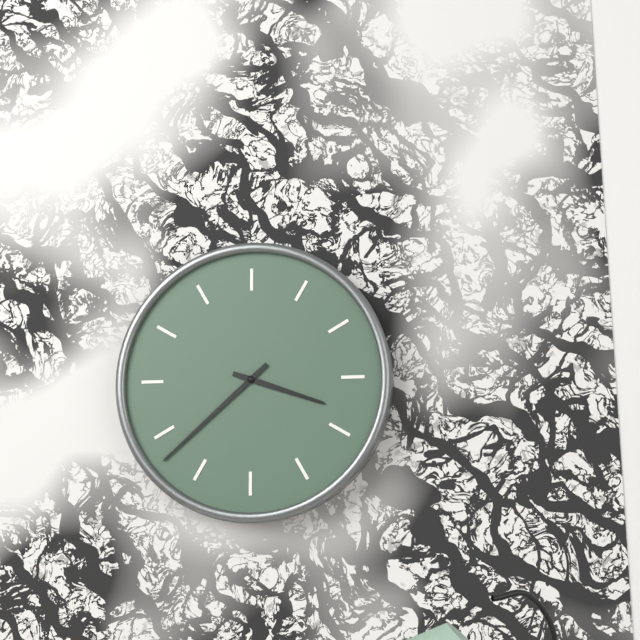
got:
3:38
